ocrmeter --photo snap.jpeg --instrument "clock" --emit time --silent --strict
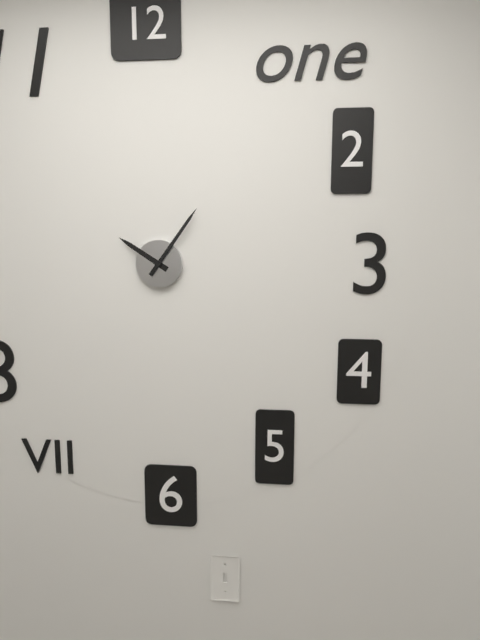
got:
10:06
